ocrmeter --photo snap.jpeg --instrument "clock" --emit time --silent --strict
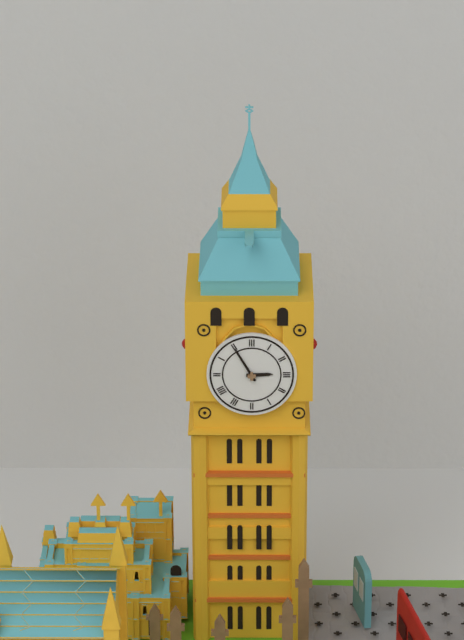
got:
2:55
